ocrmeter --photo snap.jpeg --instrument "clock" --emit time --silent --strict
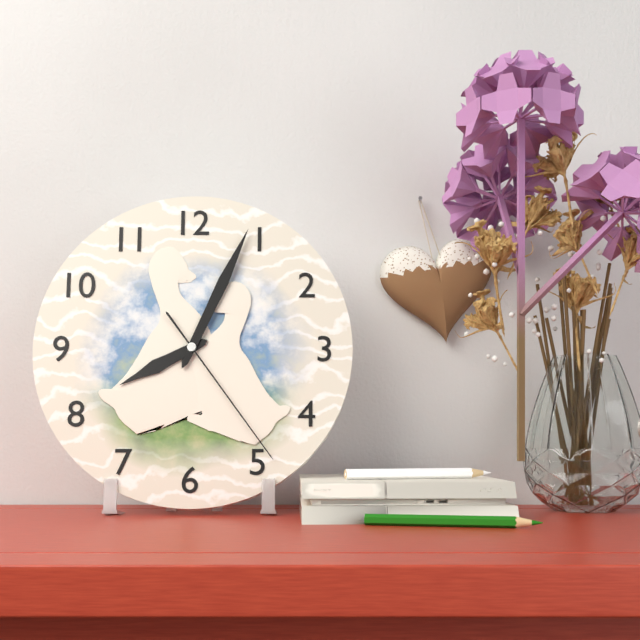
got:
8:04:24
